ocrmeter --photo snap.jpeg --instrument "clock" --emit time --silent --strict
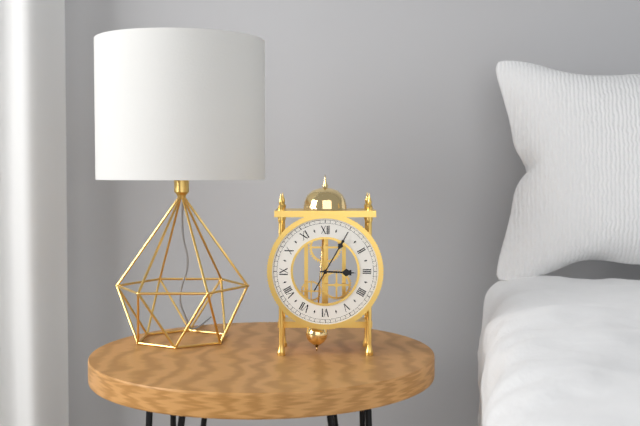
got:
3:05
